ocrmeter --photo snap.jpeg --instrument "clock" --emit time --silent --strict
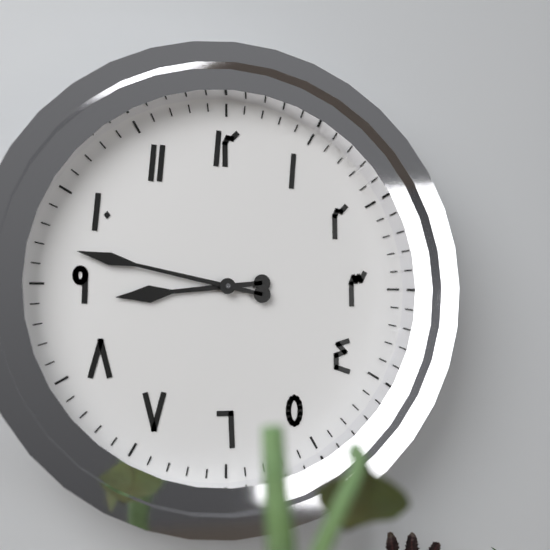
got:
8:47
